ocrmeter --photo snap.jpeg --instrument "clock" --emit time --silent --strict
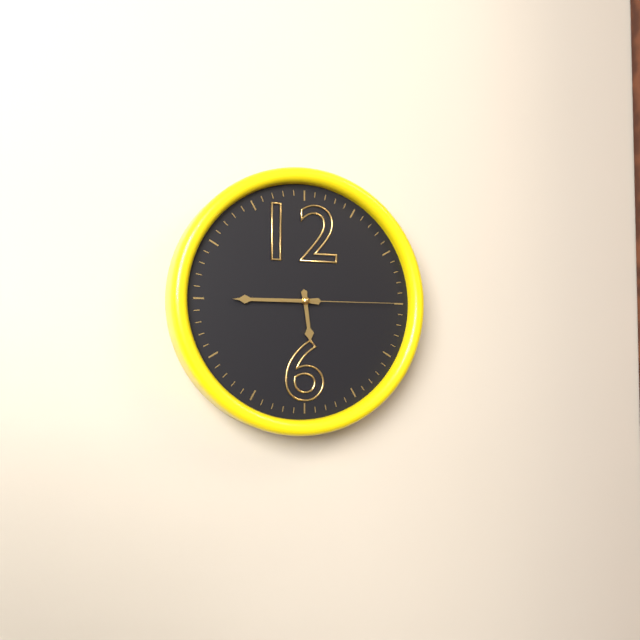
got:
5:45:15
